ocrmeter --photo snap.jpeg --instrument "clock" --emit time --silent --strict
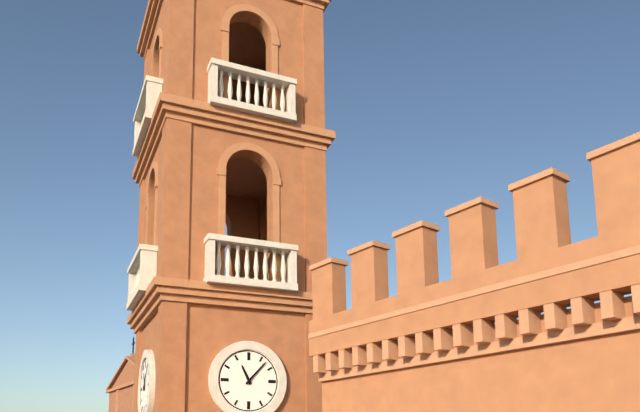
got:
11:07
